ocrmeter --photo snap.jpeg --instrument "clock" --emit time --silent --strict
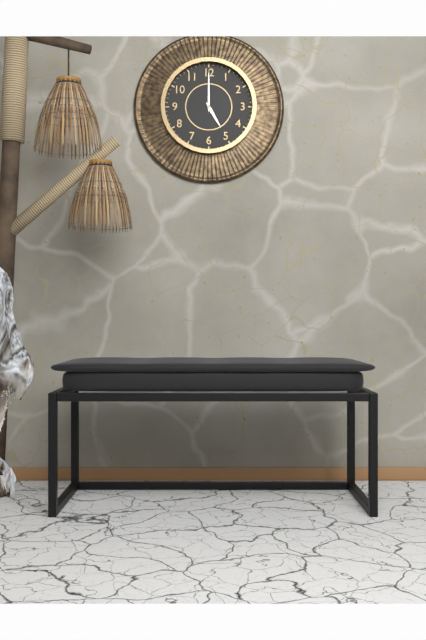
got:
5:00
